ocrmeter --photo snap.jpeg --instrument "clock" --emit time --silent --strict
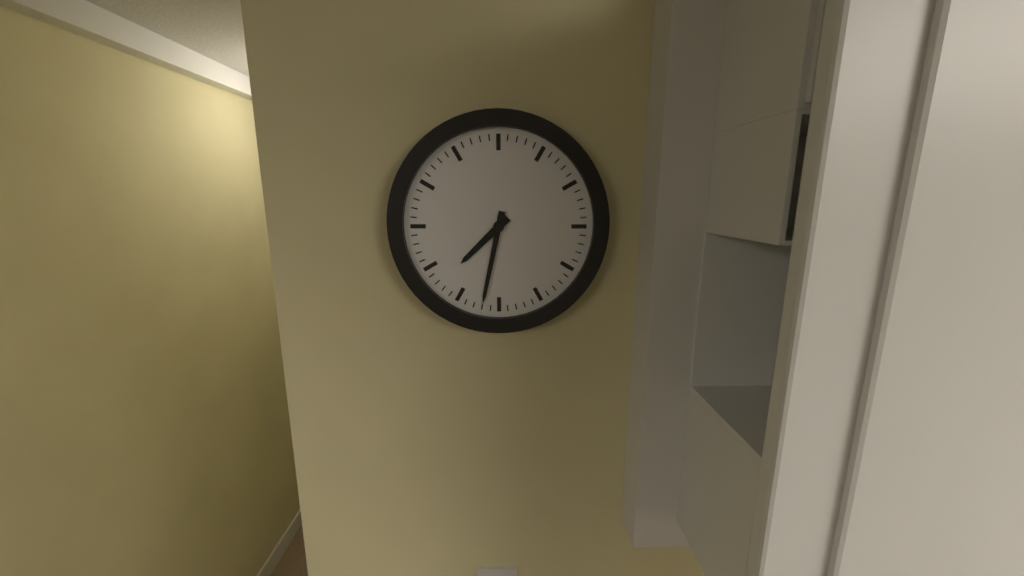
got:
7:32
